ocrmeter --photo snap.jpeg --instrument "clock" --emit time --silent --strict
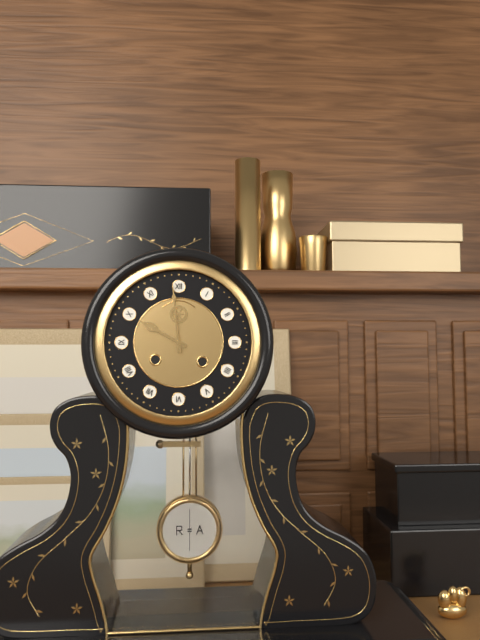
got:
9:59
